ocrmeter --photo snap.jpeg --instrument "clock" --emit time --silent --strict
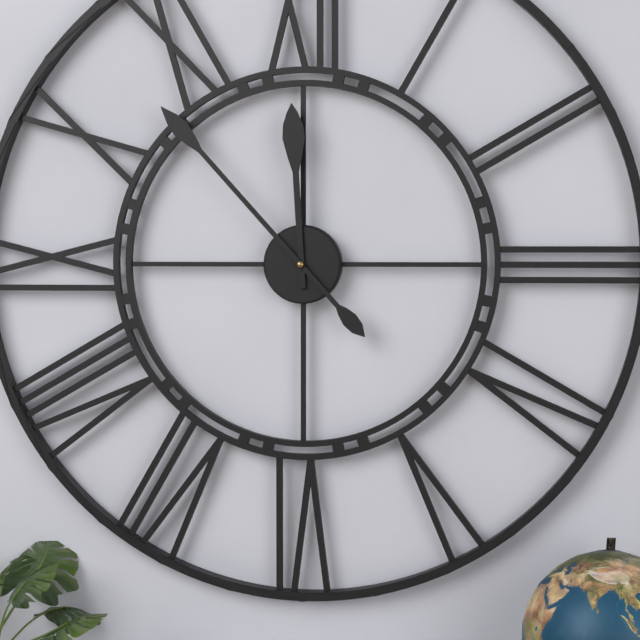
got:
11:53
